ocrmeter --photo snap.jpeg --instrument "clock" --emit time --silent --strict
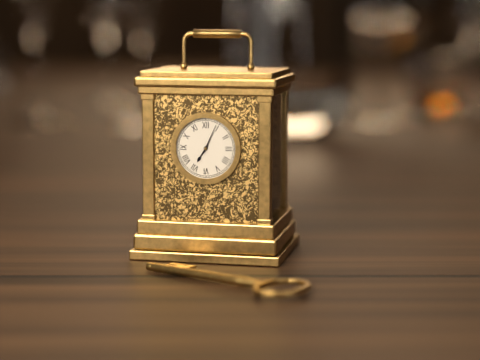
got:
7:04
